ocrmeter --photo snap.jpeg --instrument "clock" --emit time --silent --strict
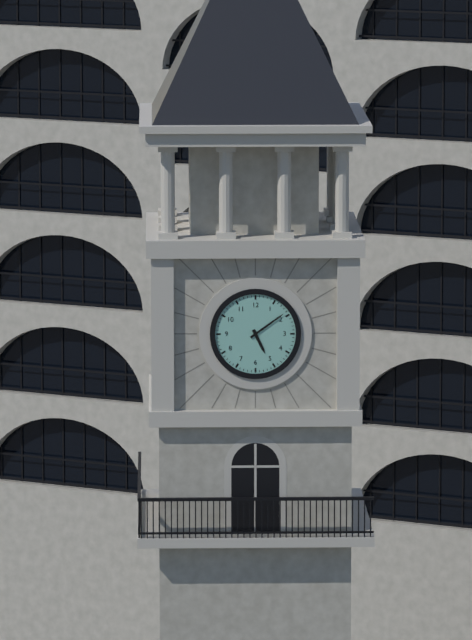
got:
5:09
